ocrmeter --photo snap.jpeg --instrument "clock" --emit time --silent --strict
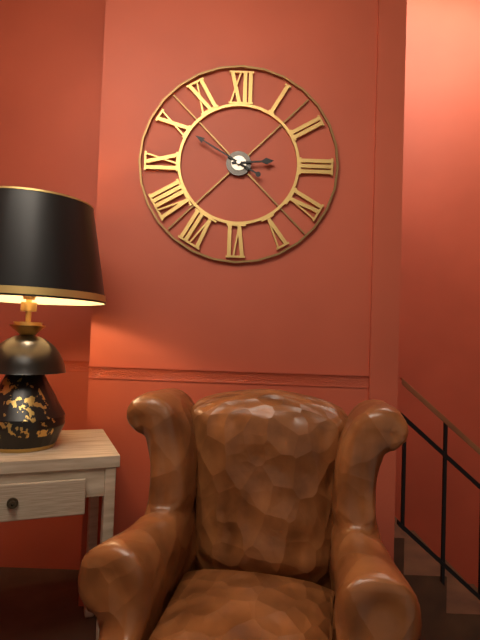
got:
2:50
